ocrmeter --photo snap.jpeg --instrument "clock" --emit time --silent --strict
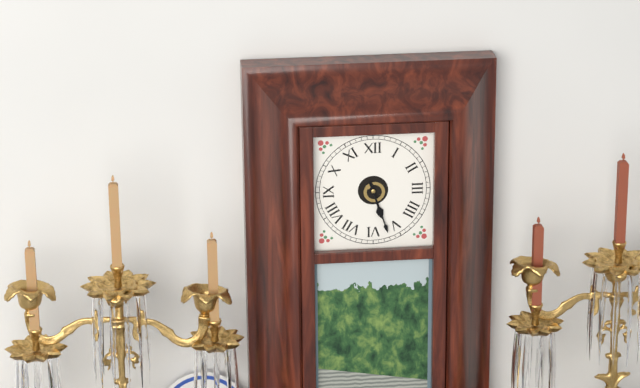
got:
5:27
